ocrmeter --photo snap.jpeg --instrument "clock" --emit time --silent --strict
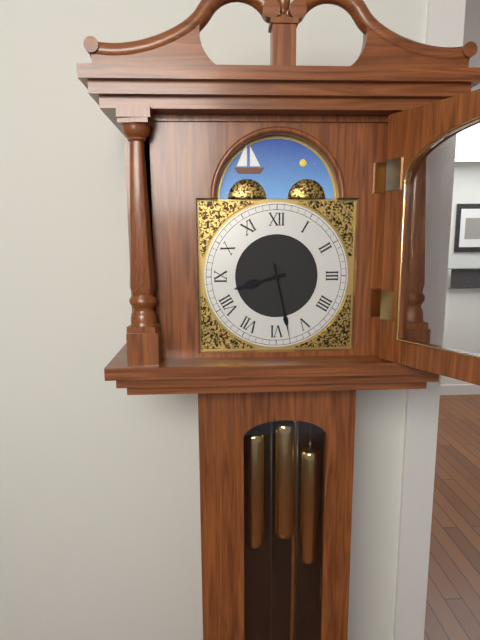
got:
8:28
